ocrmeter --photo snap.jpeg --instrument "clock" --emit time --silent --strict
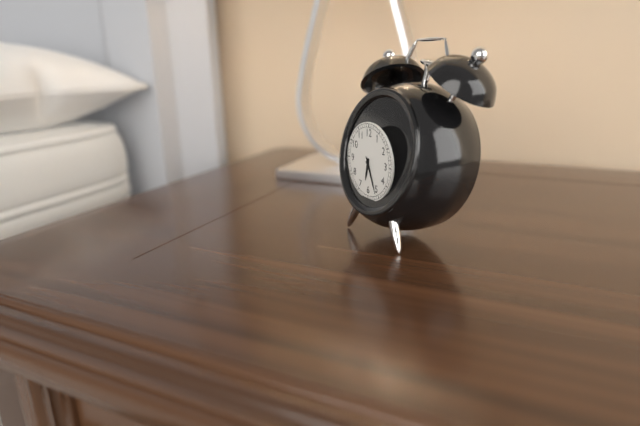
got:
6:26
